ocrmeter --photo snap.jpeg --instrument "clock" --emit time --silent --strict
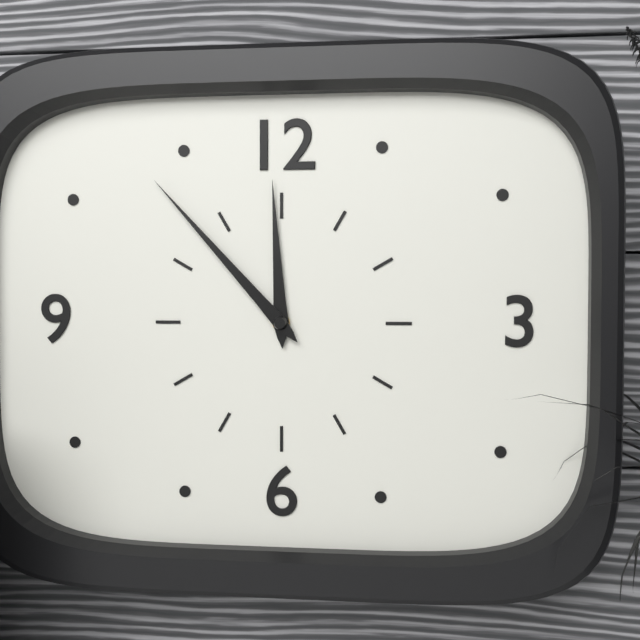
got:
11:53
